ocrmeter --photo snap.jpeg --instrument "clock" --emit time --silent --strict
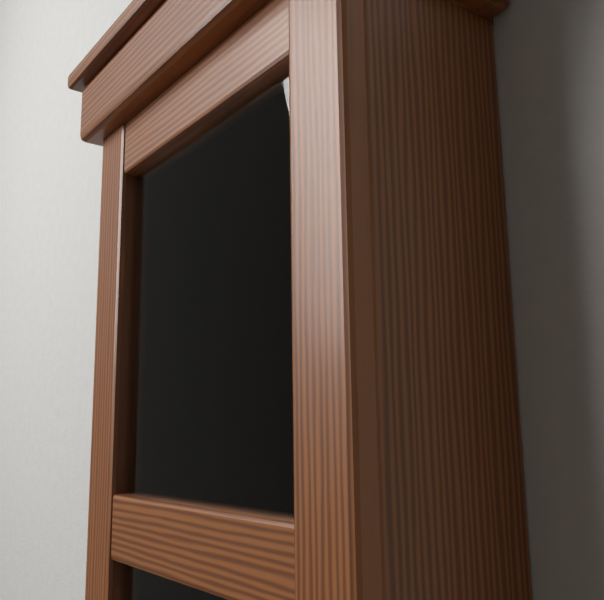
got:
2:14
